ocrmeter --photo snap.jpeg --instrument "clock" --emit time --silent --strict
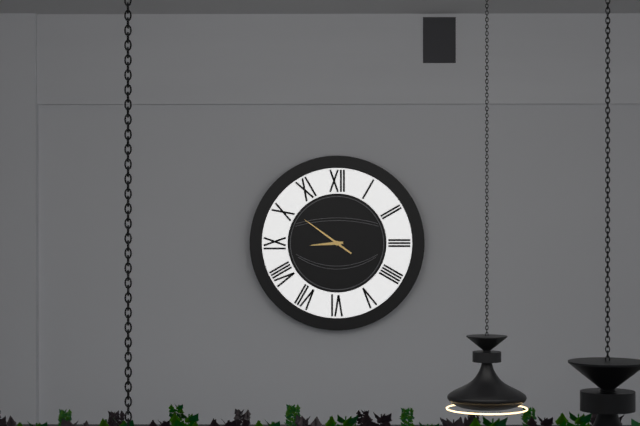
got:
8:51
